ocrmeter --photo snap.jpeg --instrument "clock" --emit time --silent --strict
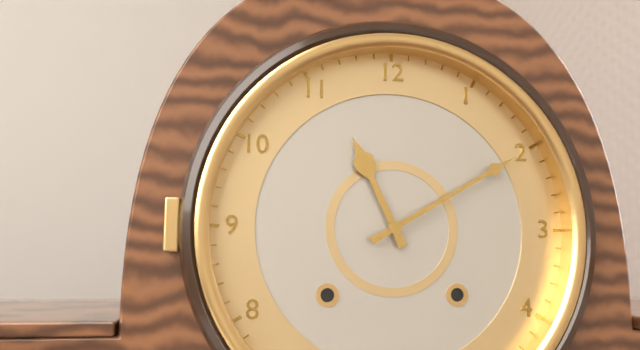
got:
11:10
